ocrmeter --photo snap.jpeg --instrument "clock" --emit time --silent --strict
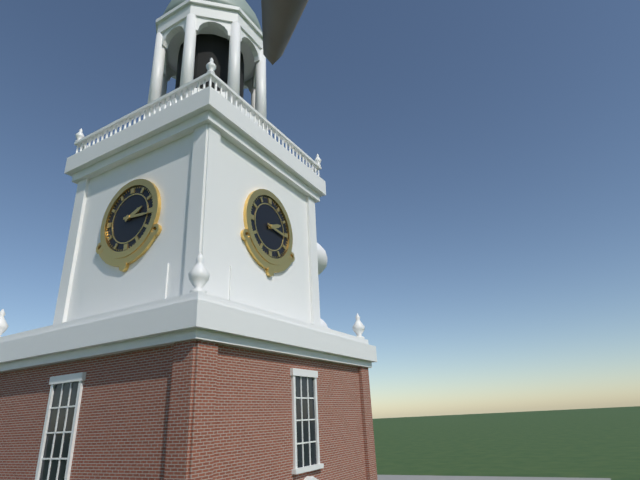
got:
2:16
